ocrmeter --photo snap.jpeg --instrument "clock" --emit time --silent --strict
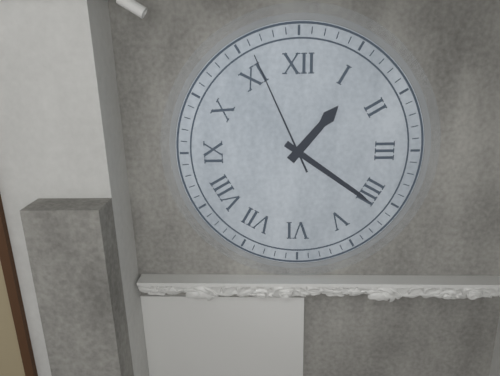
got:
1:21:56
